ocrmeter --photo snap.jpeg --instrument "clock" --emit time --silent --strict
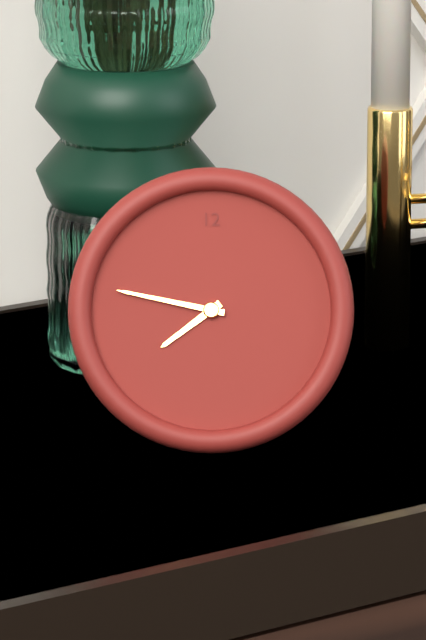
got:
7:47
